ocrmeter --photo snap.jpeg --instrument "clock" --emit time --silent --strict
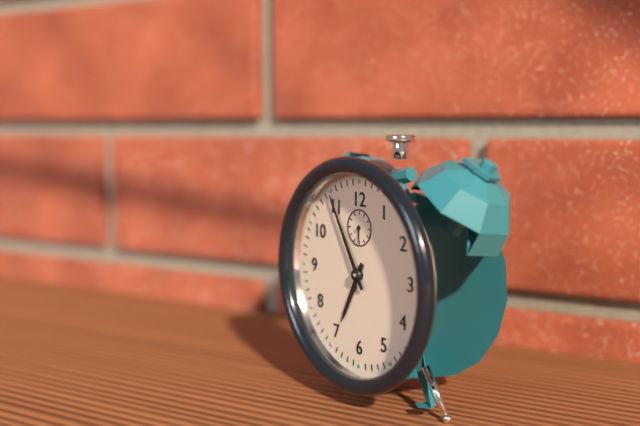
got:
6:55
